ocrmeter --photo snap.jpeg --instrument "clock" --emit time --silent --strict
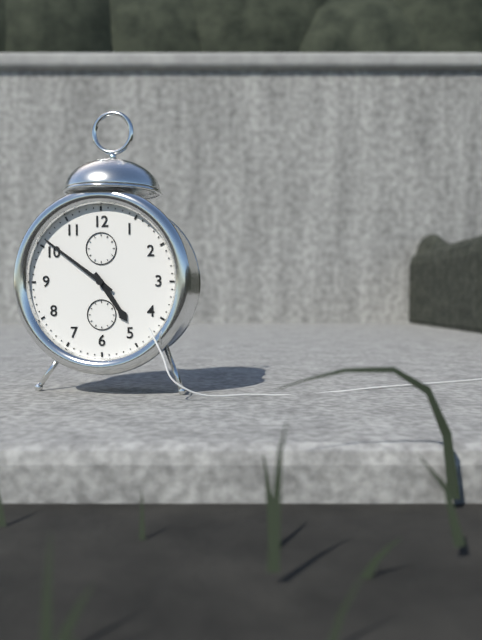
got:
4:51
